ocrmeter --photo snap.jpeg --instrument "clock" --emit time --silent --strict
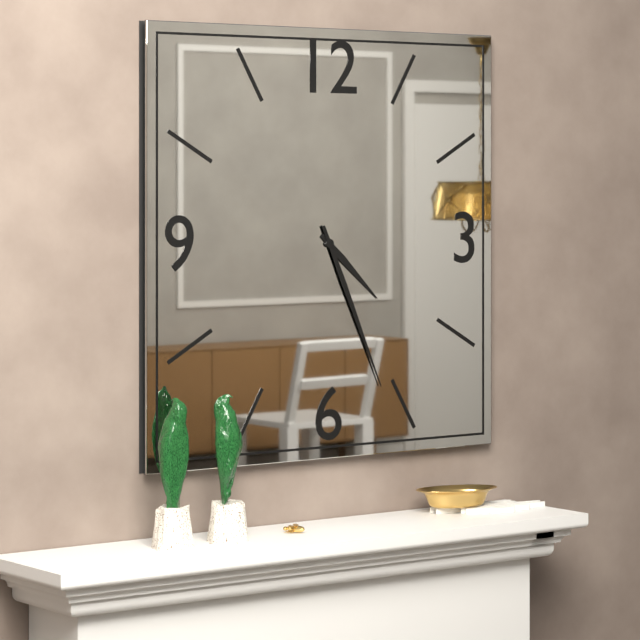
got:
4:26
